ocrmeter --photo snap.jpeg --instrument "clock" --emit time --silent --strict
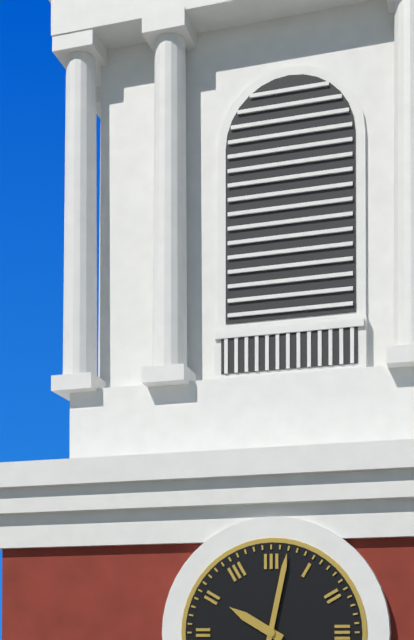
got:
10:02
